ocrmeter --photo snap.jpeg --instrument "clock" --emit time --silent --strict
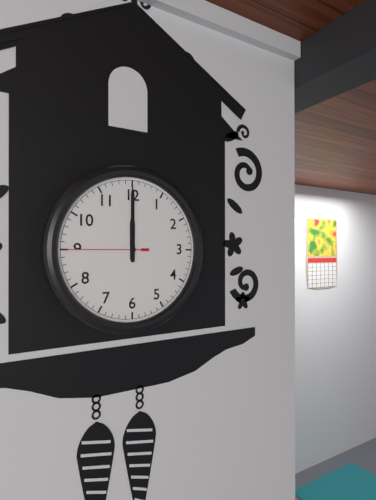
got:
12:00:45
